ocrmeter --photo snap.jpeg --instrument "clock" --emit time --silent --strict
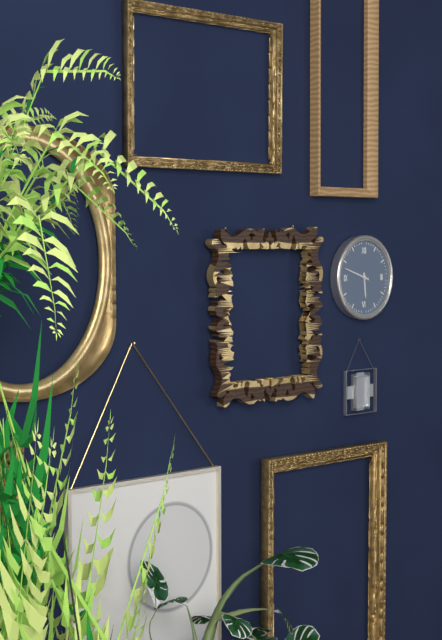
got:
5:48
